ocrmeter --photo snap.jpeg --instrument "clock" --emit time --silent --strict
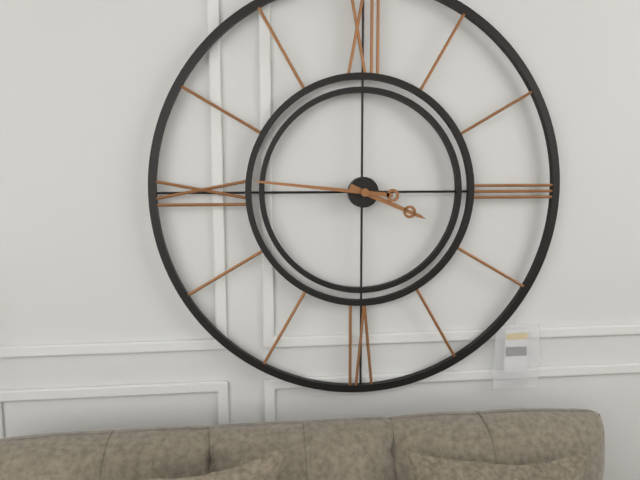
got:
3:46
